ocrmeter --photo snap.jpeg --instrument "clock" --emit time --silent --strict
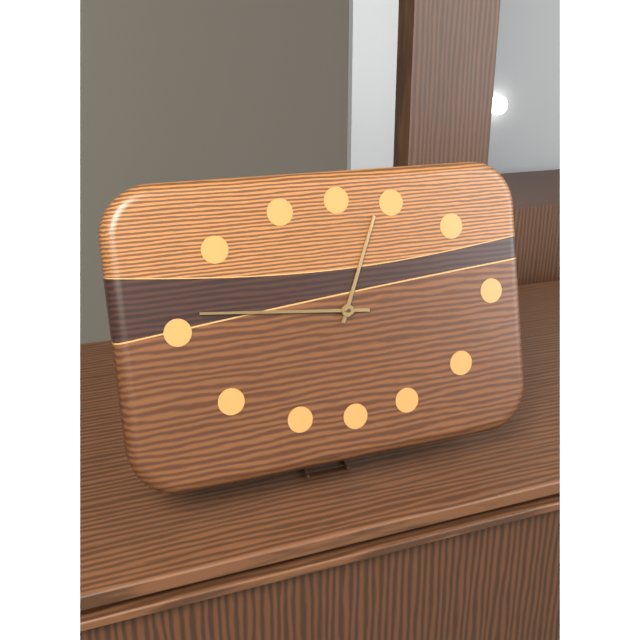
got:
12:46
